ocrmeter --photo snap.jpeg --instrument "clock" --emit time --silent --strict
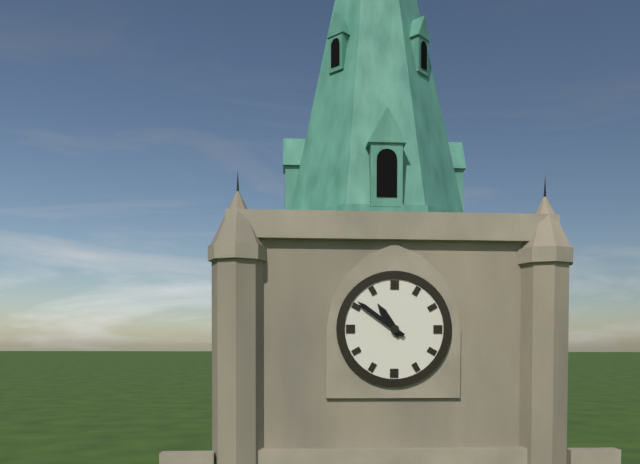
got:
10:51
